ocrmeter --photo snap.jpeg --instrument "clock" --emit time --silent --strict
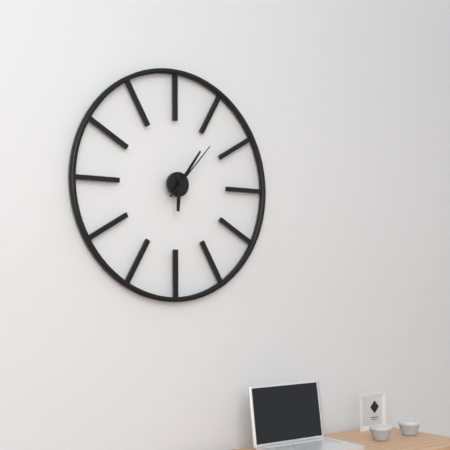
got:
6:06:07
